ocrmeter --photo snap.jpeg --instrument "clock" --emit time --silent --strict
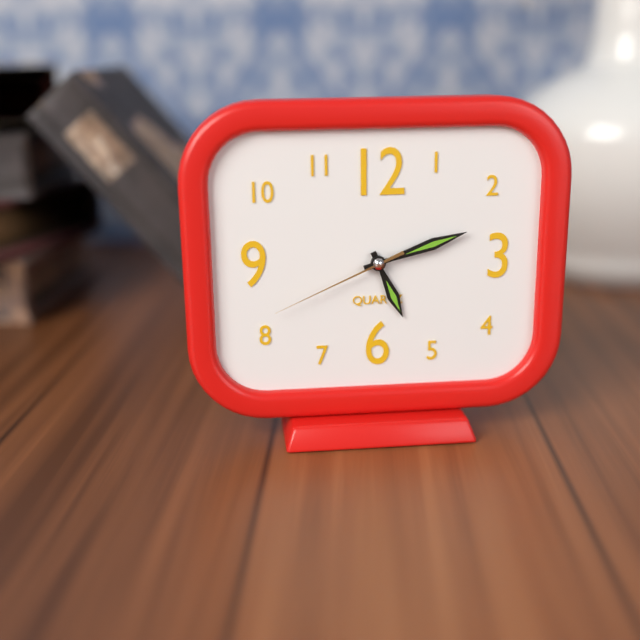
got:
5:12:41
